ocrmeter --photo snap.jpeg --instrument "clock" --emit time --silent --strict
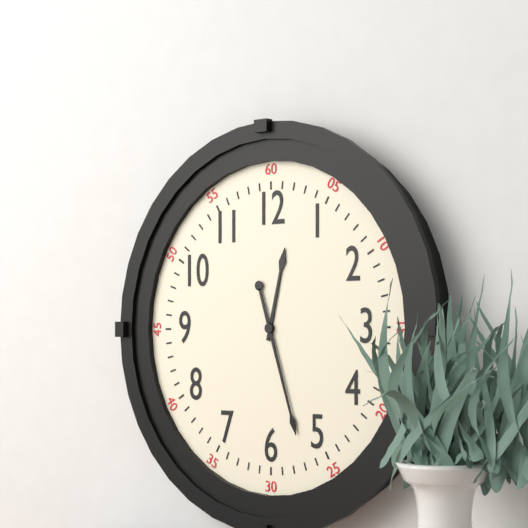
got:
12:27
